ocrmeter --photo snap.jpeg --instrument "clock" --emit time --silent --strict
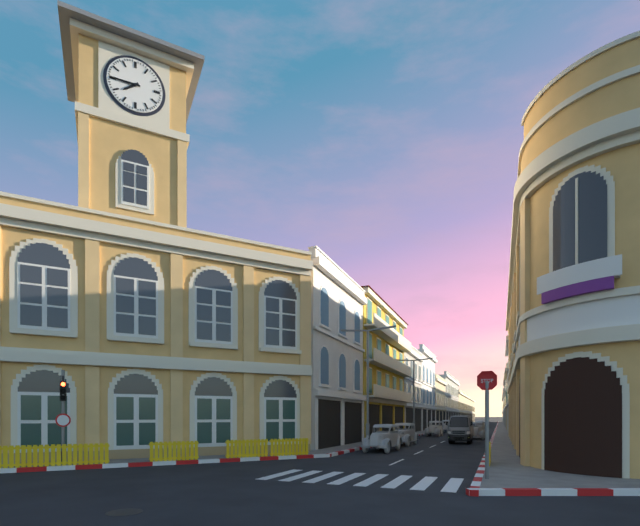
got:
7:45
